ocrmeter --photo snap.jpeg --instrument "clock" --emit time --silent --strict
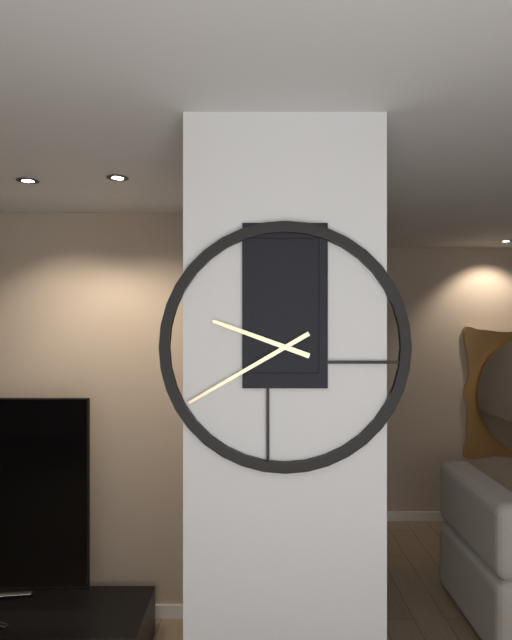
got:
9:40
